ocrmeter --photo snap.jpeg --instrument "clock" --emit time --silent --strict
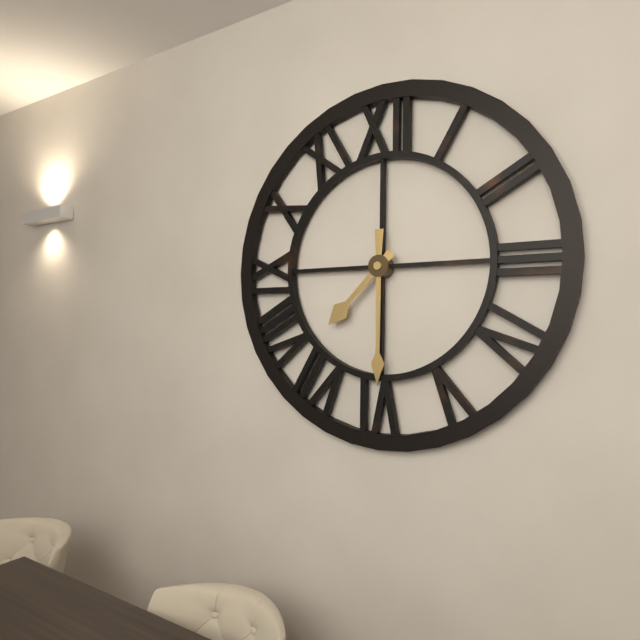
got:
7:30
